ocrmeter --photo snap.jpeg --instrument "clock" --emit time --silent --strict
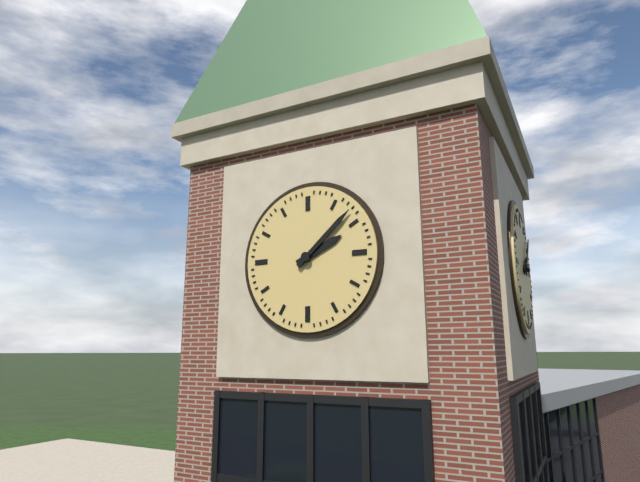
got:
2:08
